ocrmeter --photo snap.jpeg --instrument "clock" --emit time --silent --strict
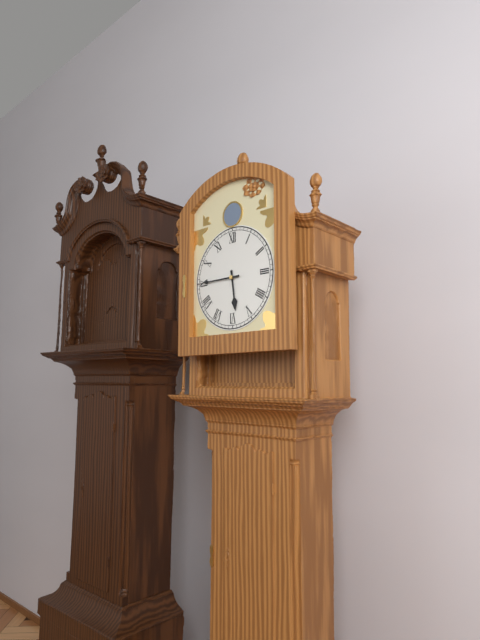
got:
5:45
